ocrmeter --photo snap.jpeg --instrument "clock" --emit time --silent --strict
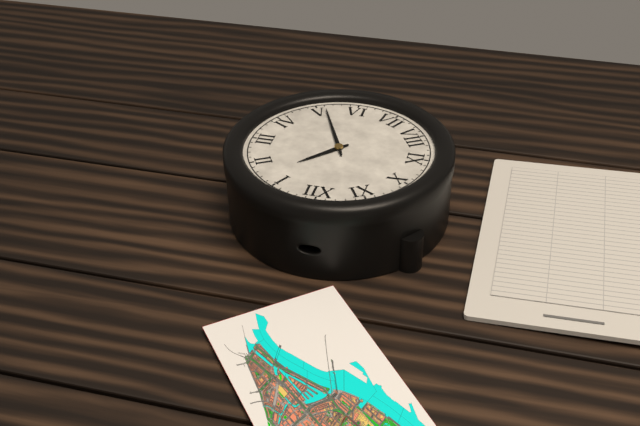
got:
1:26
